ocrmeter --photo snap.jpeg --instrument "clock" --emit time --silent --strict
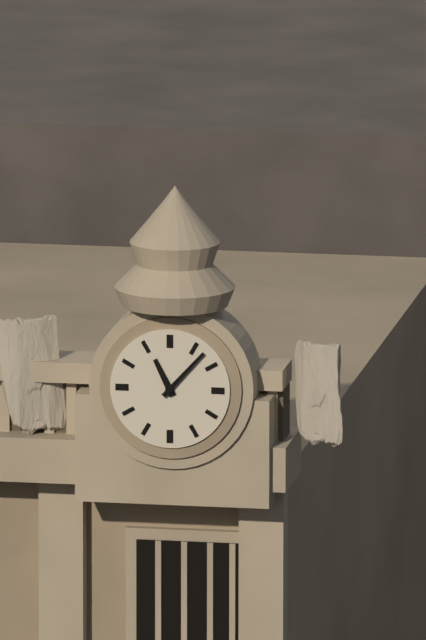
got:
11:07
